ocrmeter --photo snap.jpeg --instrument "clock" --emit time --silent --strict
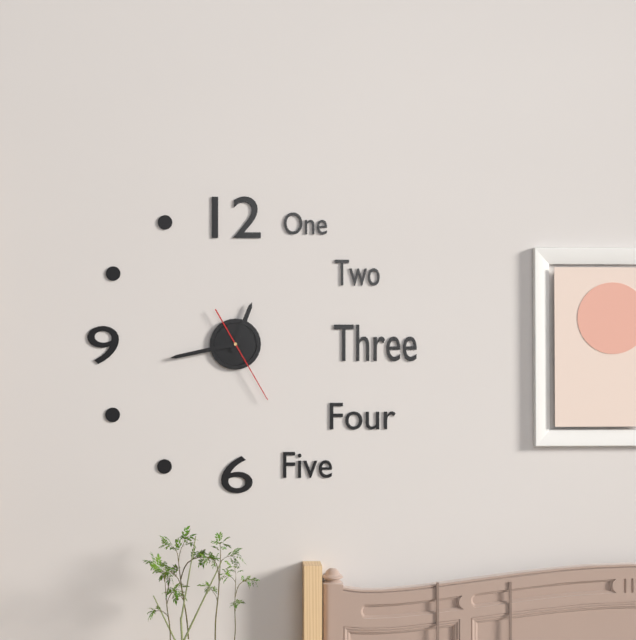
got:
12:43:25
